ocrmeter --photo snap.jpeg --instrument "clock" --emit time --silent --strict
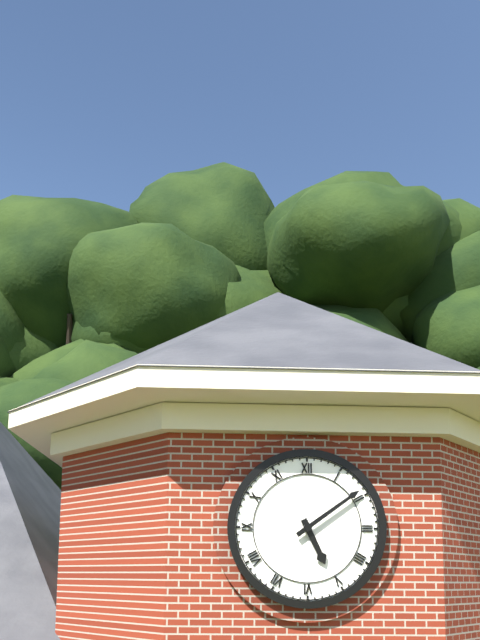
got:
5:09
